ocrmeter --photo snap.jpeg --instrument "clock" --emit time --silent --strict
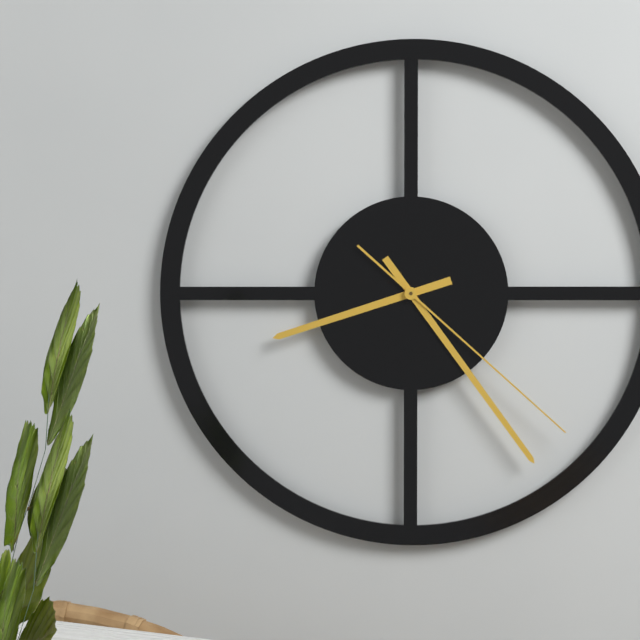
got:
8:24:22
